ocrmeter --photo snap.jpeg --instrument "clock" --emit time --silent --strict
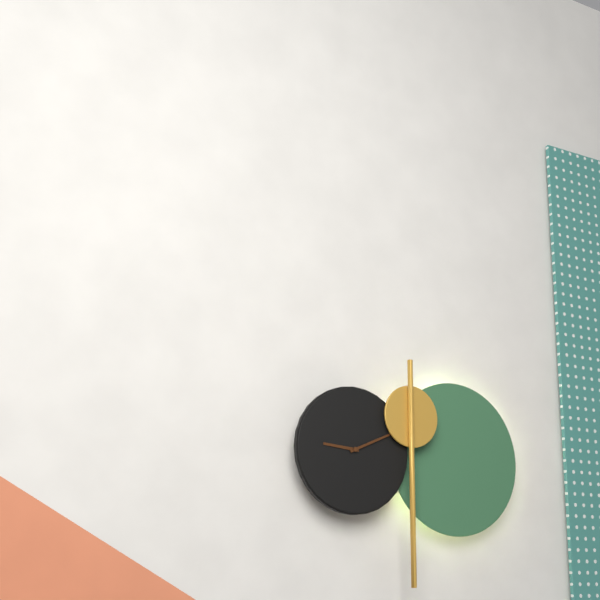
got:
9:11
